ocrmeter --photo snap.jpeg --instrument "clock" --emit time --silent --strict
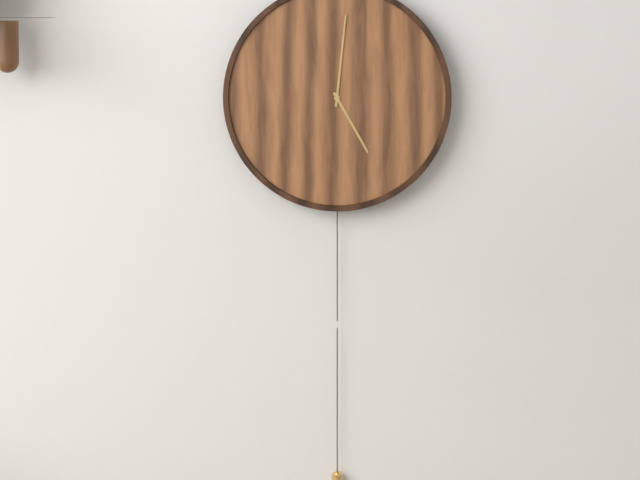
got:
5:01
